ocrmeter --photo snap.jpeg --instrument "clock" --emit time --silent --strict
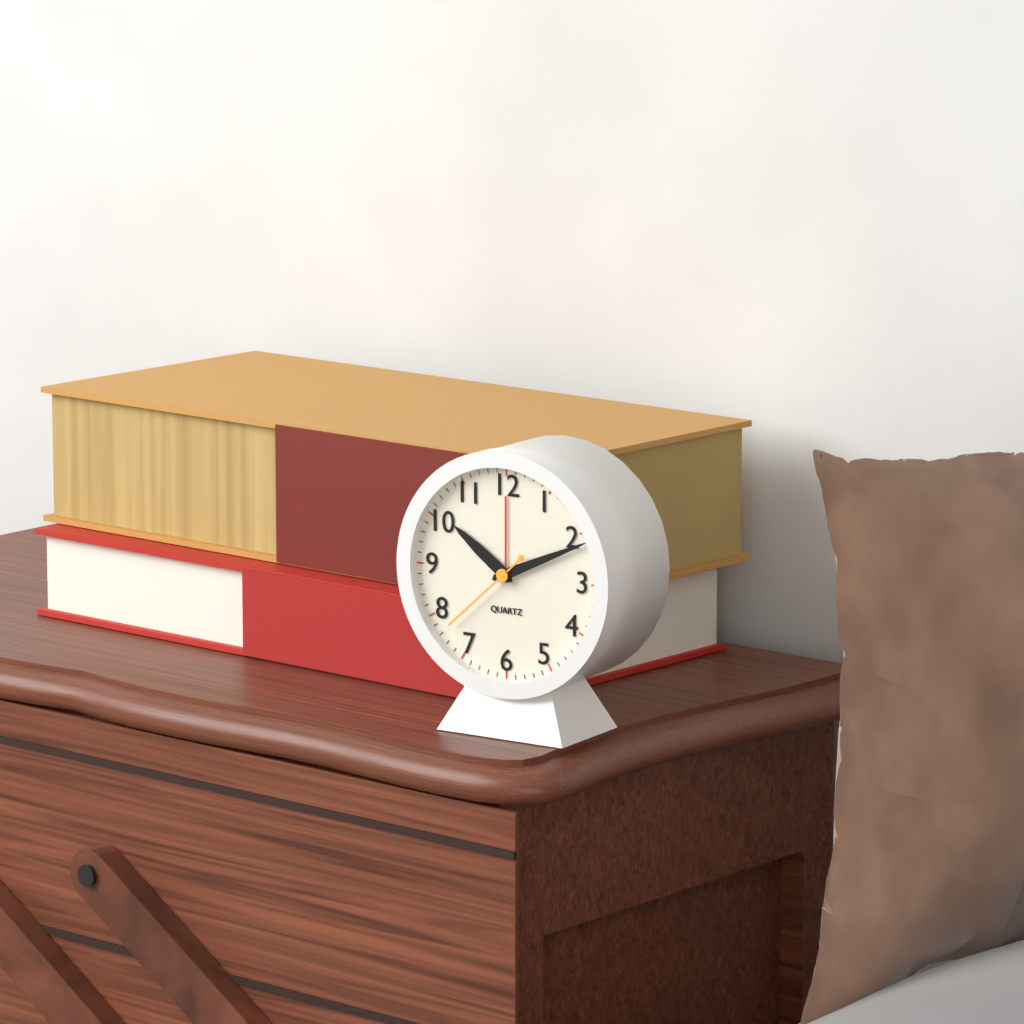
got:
10:11:38
